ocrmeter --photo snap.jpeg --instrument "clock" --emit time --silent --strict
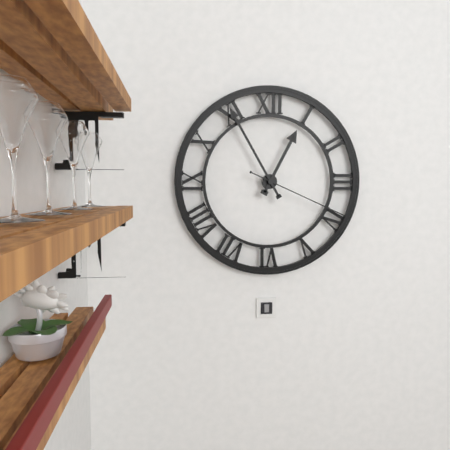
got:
12:55:19
